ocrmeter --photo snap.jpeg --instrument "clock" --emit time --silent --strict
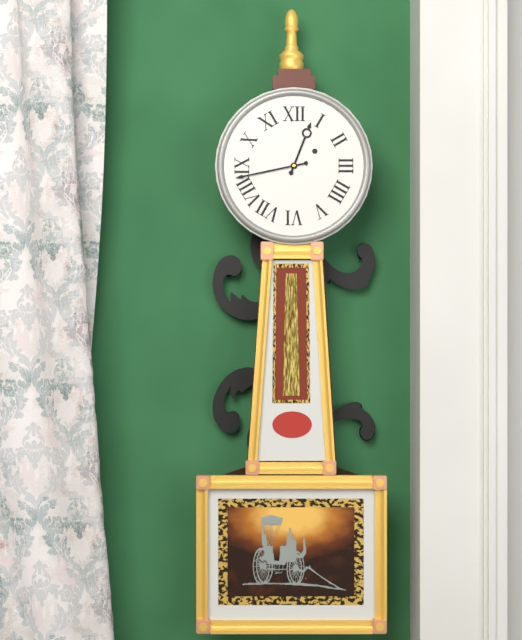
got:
12:43
